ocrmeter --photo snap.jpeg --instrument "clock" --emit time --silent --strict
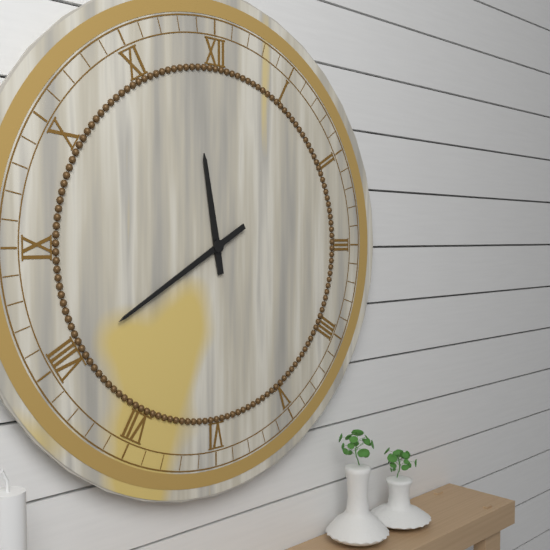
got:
11:40
